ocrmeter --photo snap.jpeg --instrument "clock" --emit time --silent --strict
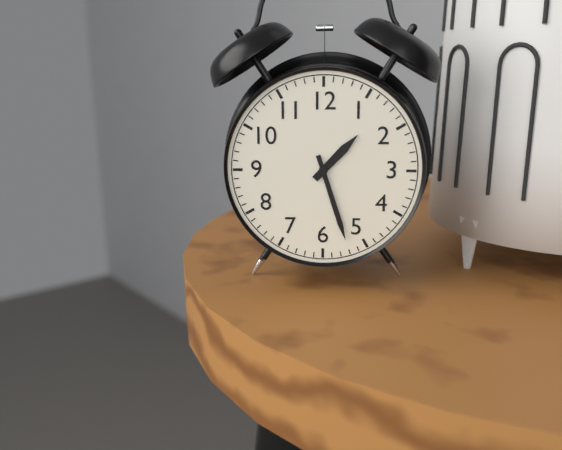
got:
1:27
